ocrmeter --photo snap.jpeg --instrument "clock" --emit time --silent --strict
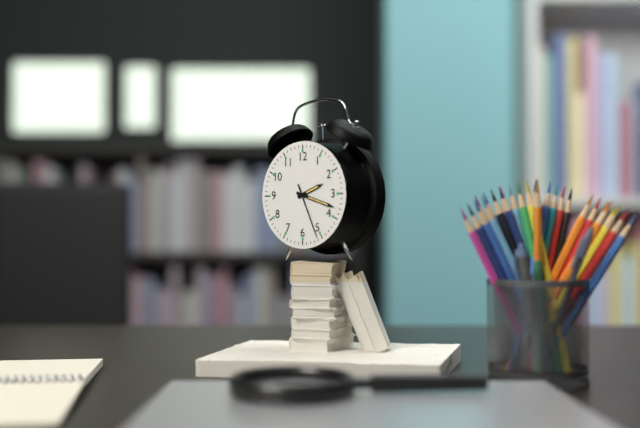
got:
2:18:26
